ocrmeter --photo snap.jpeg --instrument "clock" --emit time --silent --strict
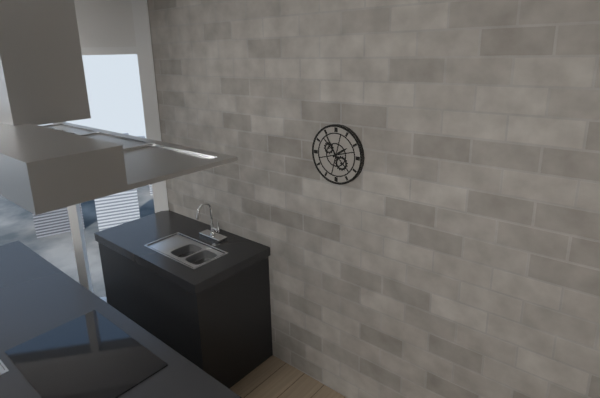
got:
1:55
